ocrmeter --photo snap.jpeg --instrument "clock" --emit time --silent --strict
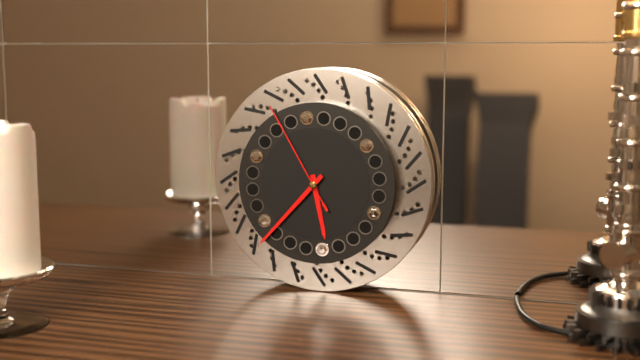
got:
5:37:55
